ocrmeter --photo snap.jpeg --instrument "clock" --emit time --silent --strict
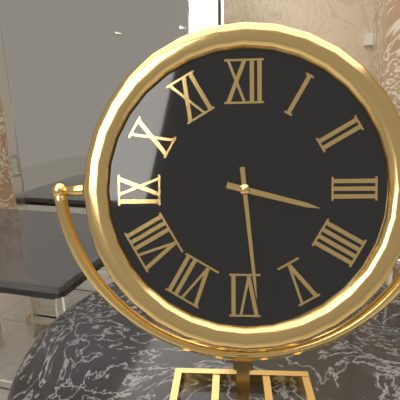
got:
3:29
